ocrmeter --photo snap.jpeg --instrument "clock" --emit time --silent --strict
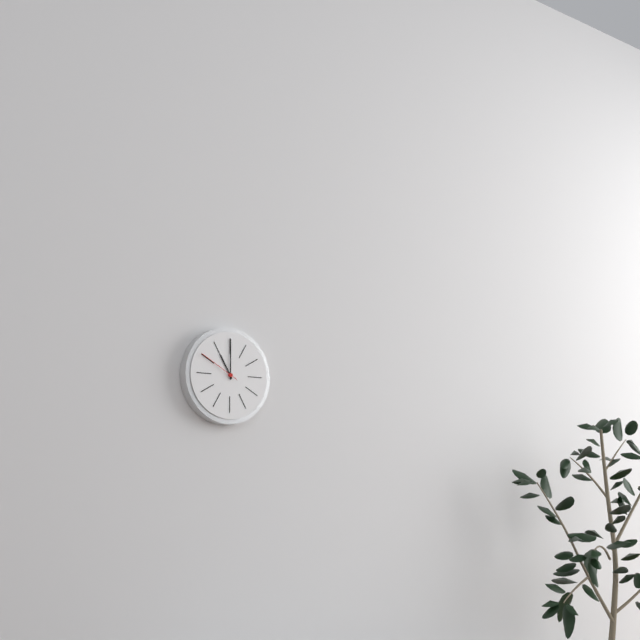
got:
11:00
